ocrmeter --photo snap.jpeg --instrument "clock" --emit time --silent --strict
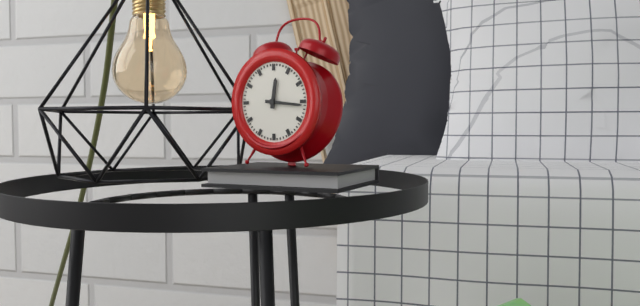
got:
12:16
